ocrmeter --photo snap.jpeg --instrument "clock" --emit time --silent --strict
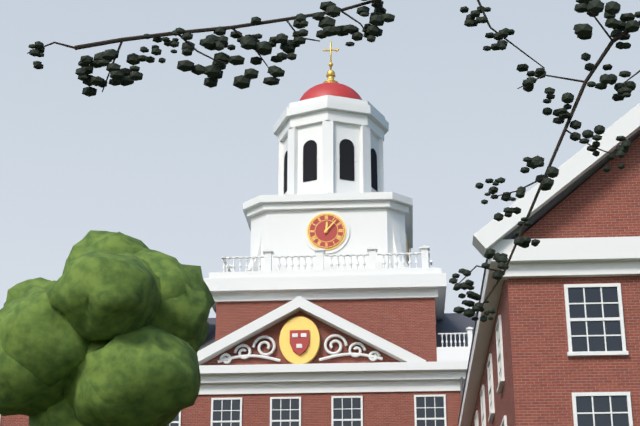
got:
12:07
